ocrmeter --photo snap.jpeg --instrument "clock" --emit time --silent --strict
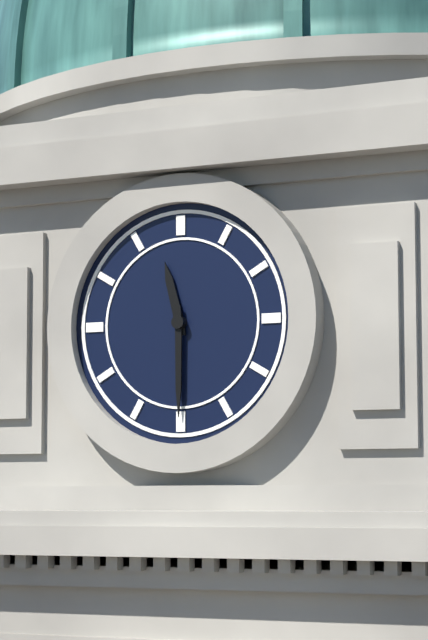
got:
11:30
